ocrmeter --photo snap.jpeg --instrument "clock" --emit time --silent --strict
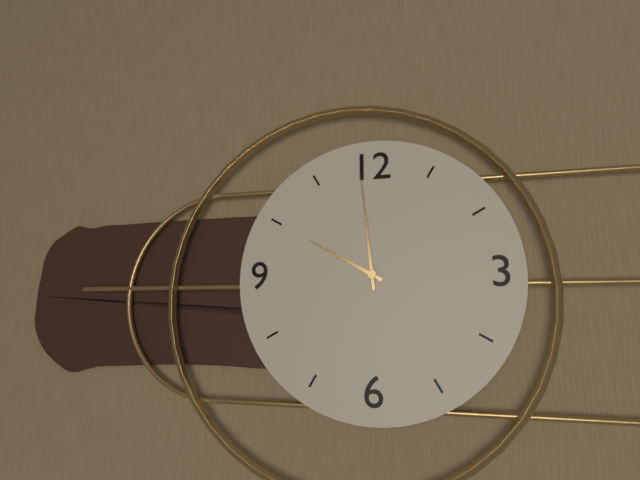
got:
9:59
